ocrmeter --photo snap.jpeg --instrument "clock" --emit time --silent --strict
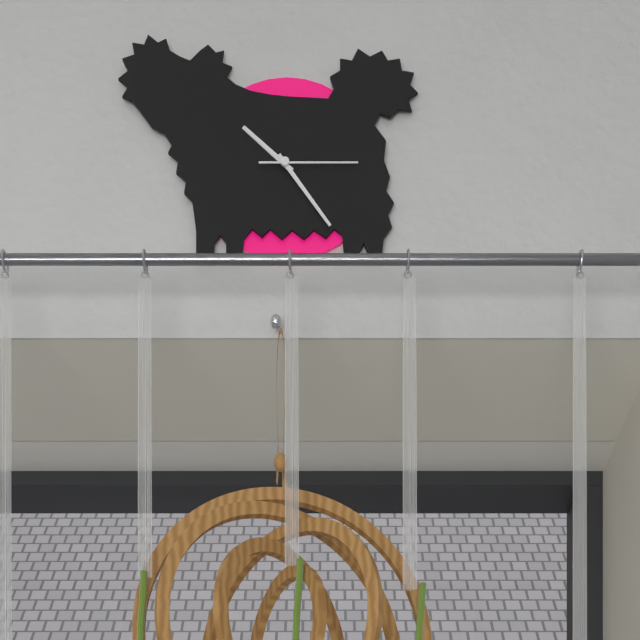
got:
10:24:15
